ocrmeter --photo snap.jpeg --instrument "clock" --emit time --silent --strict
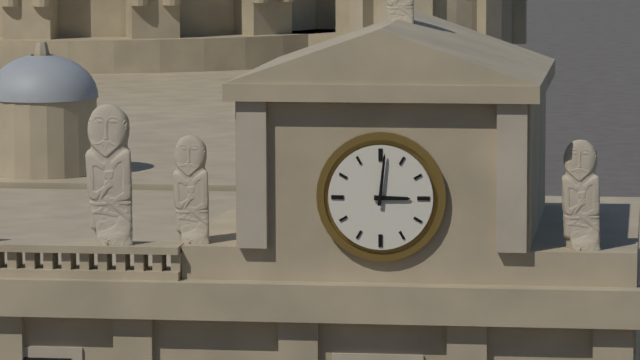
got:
3:01
